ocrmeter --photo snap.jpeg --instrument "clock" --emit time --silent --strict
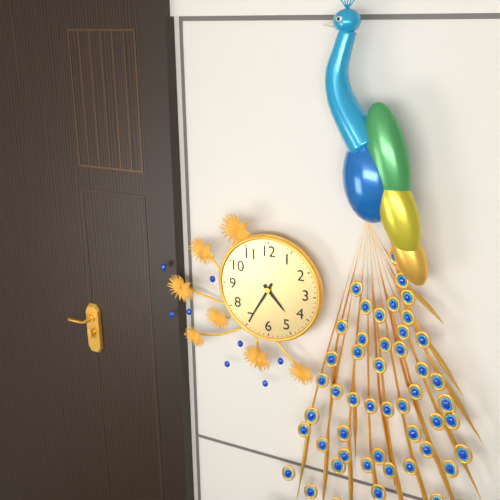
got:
4:35
